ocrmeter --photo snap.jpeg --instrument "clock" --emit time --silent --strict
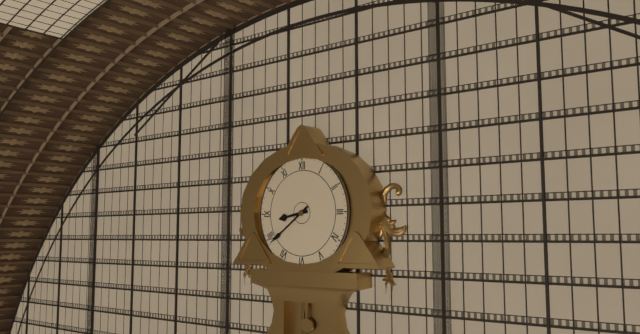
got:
8:39
